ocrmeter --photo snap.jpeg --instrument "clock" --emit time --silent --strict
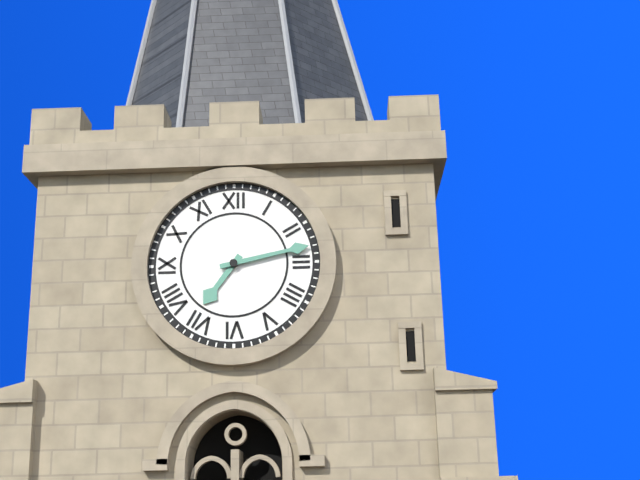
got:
7:13
